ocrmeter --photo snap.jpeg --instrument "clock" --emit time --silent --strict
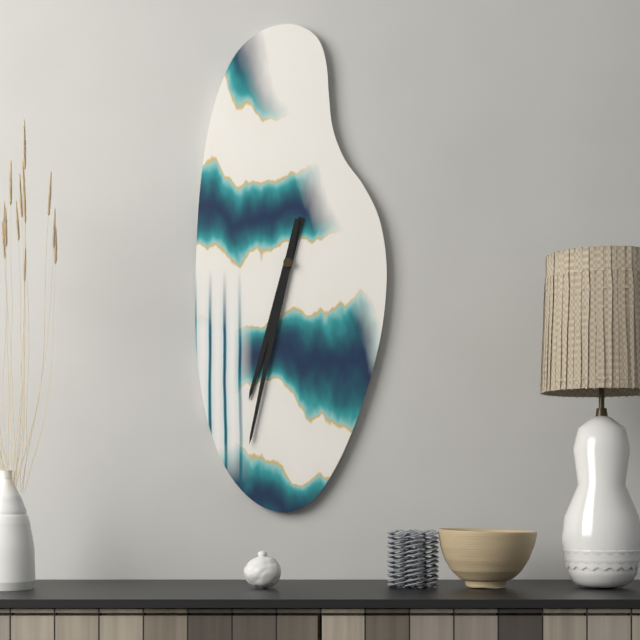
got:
6:32
